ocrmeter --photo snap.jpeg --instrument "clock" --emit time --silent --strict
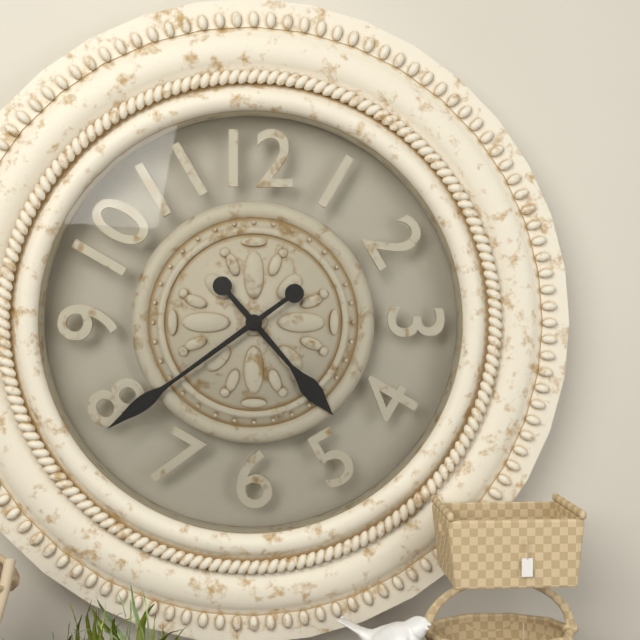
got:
4:39
